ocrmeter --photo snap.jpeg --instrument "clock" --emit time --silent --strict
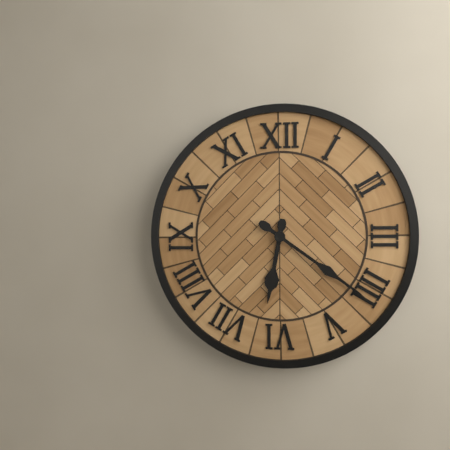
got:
6:21
